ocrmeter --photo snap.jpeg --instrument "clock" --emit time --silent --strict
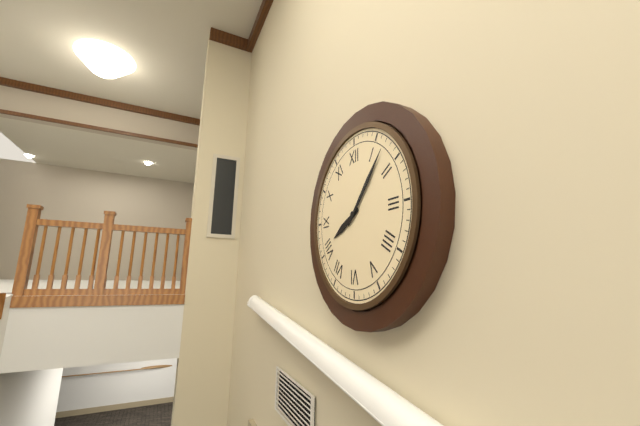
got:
8:07
